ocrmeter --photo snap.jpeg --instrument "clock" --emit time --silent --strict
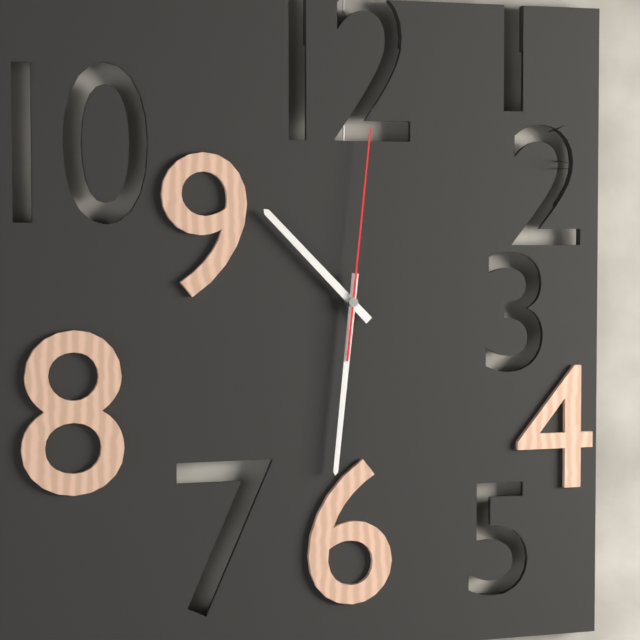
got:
10:31:01
